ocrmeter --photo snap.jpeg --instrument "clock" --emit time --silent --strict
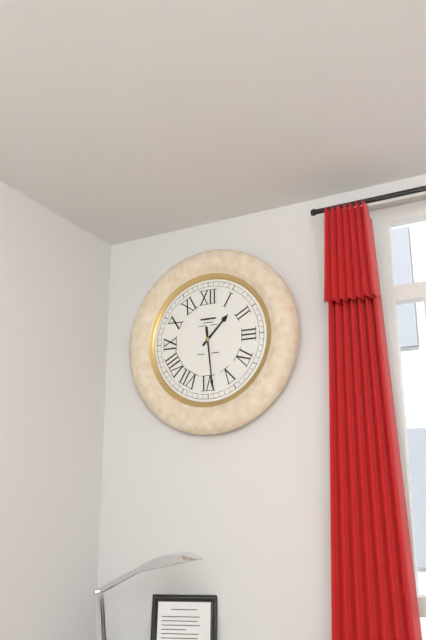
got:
1:29
